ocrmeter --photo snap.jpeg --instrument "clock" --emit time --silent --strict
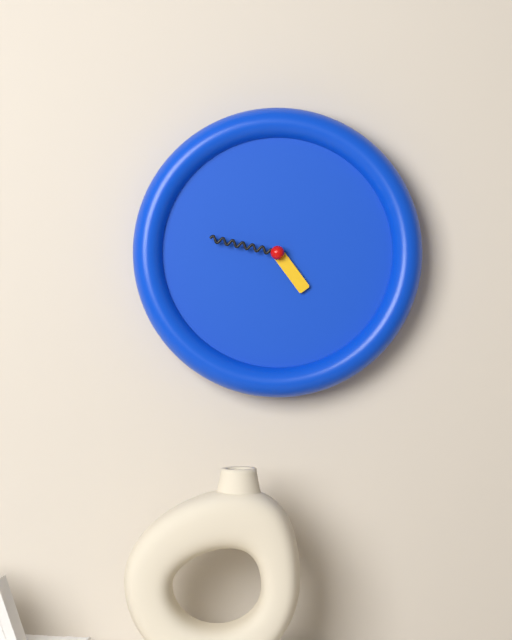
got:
4:47
